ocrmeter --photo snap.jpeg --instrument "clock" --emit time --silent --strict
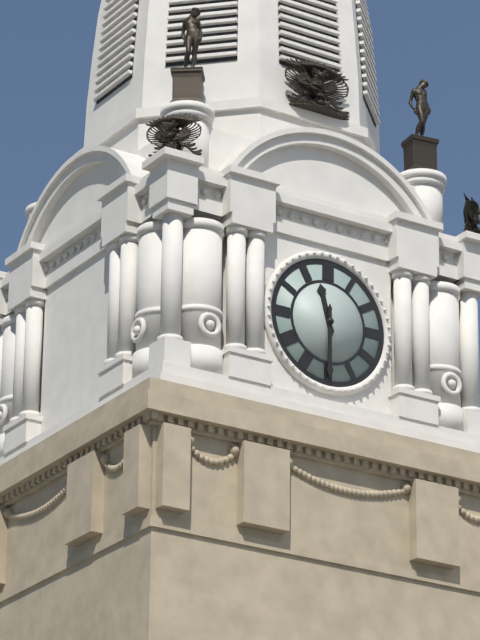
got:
11:30
